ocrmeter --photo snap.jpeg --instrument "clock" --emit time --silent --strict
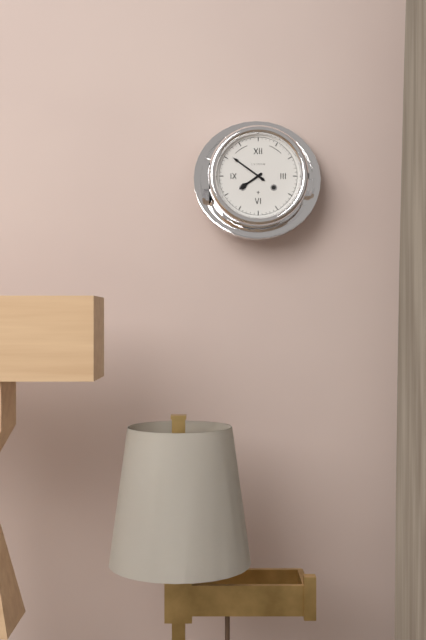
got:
7:51
